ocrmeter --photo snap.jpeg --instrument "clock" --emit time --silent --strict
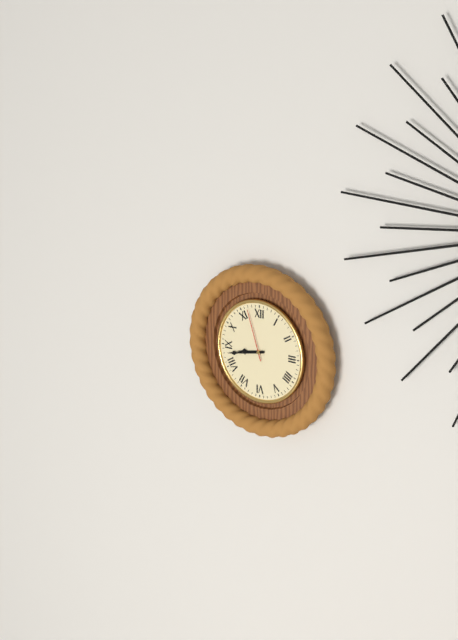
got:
8:43:57
